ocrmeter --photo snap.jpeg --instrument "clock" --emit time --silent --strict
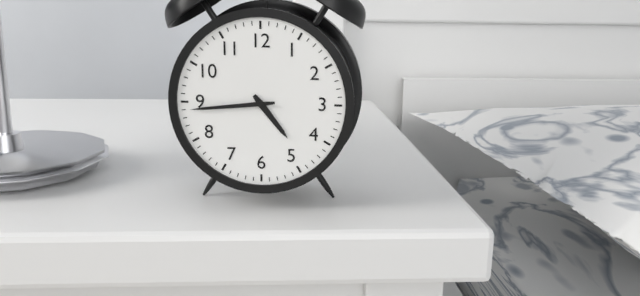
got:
4:44
